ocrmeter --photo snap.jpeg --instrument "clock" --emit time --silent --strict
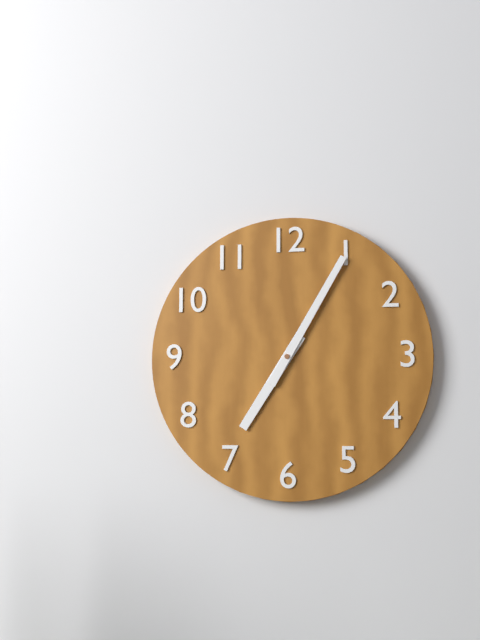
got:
7:05
